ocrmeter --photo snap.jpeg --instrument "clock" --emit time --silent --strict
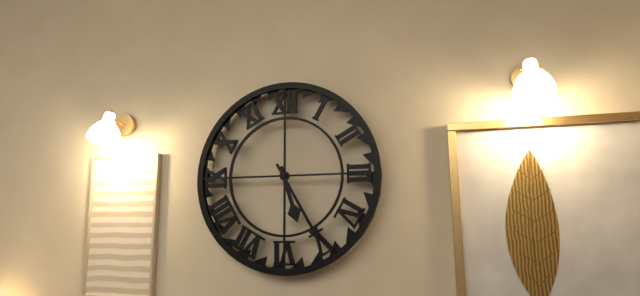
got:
5:25
